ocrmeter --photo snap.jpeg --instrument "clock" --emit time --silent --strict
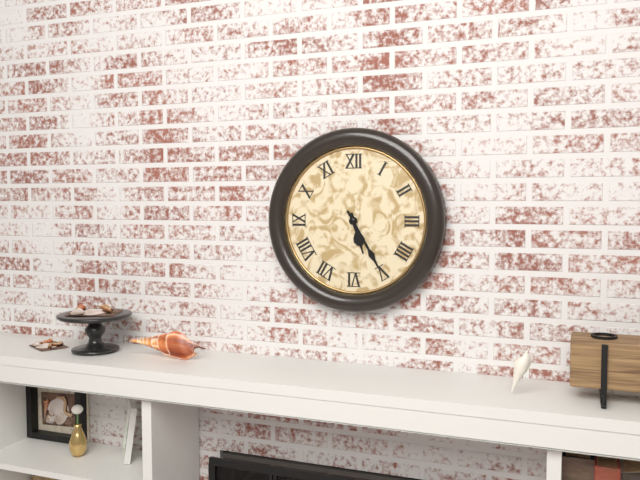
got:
5:25
